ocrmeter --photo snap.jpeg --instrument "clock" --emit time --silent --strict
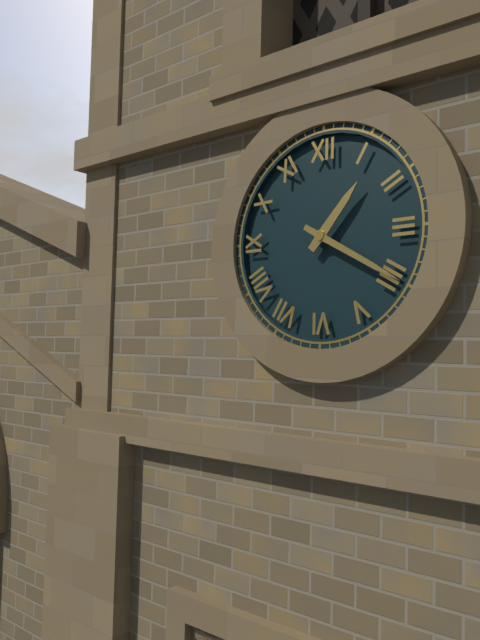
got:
1:20
